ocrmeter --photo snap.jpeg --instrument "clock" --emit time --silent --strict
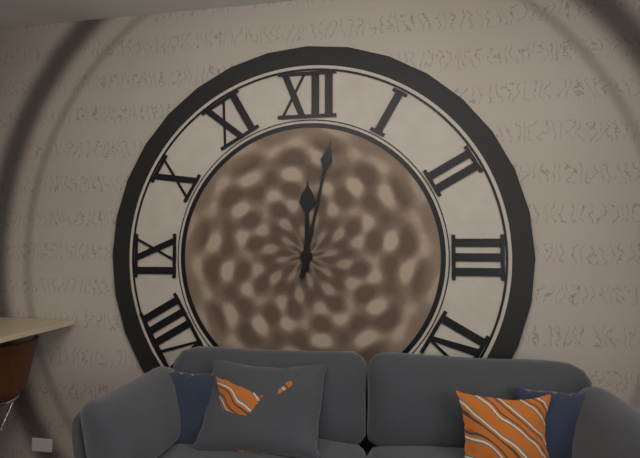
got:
12:02
